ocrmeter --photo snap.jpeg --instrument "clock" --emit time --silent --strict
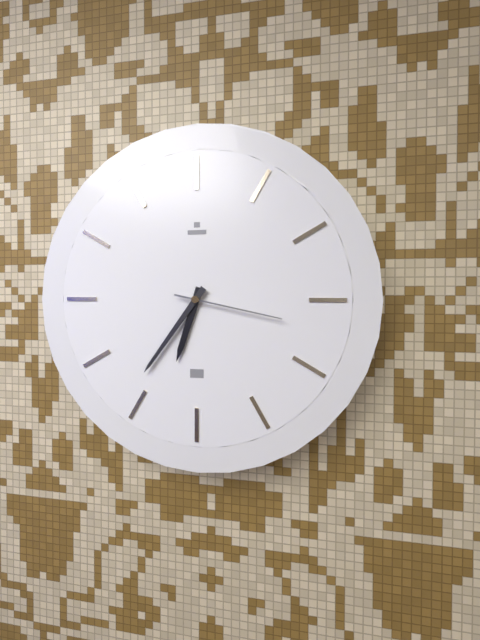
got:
6:36:17
